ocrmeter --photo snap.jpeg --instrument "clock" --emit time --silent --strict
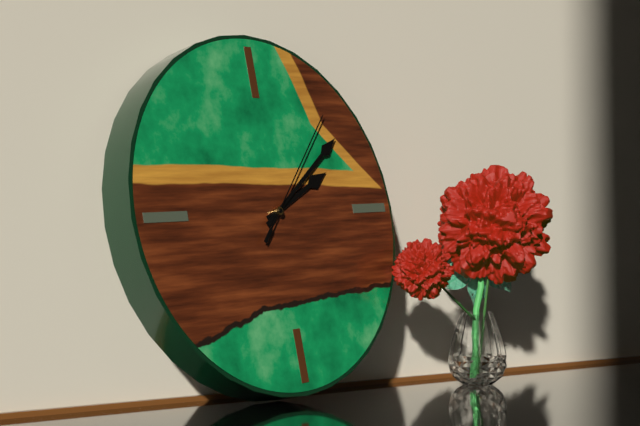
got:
2:09:07
